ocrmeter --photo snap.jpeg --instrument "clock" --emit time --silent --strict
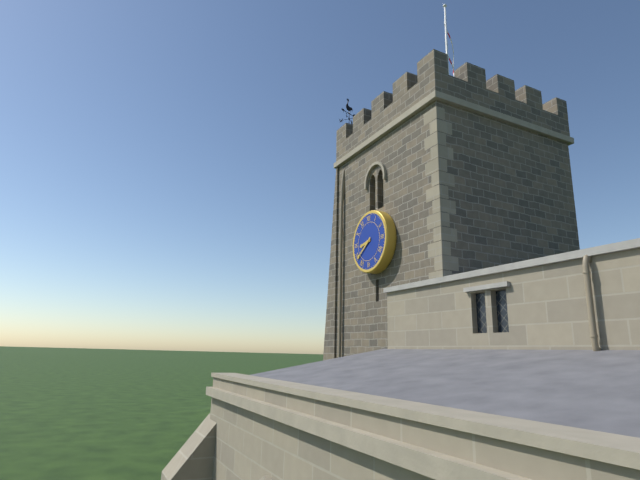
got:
8:39
